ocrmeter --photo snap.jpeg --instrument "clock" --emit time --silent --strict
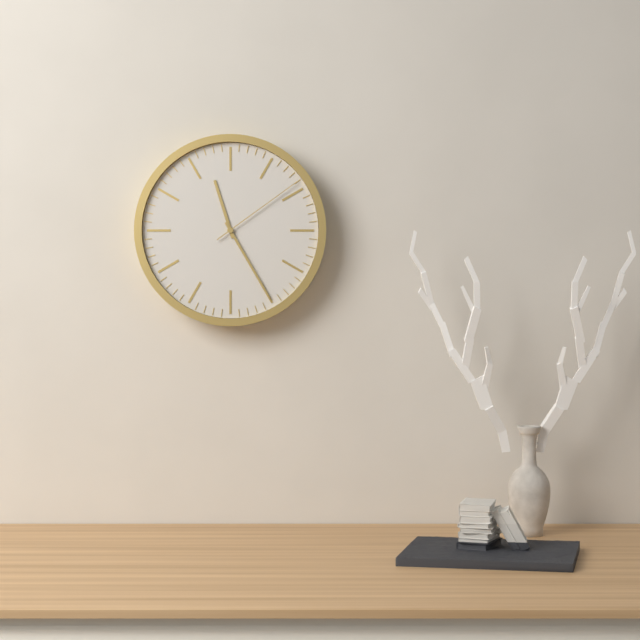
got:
11:25:09
